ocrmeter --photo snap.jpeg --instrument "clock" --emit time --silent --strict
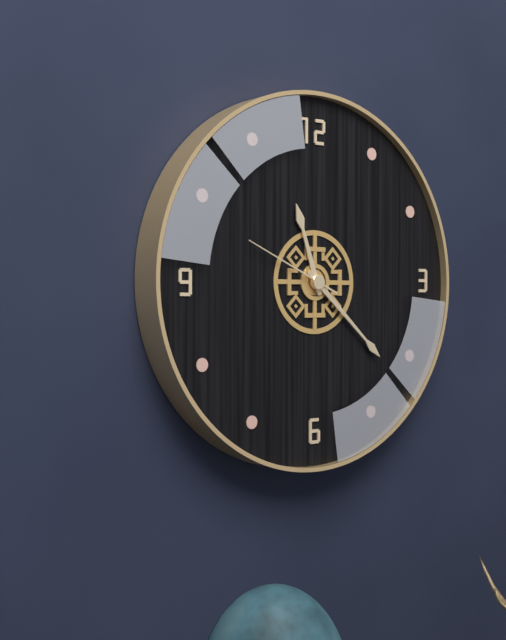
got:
11:22:49
